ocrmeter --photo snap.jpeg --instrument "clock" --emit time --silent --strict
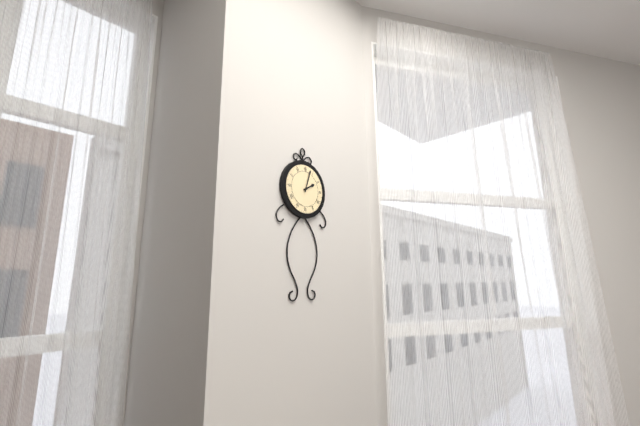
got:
2:03
